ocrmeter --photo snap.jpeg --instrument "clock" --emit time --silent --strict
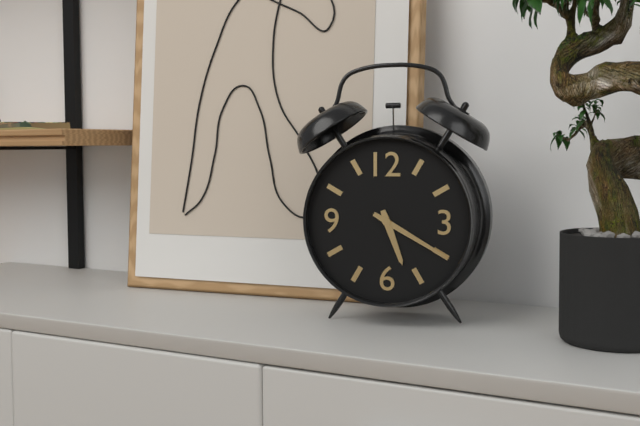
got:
5:20
